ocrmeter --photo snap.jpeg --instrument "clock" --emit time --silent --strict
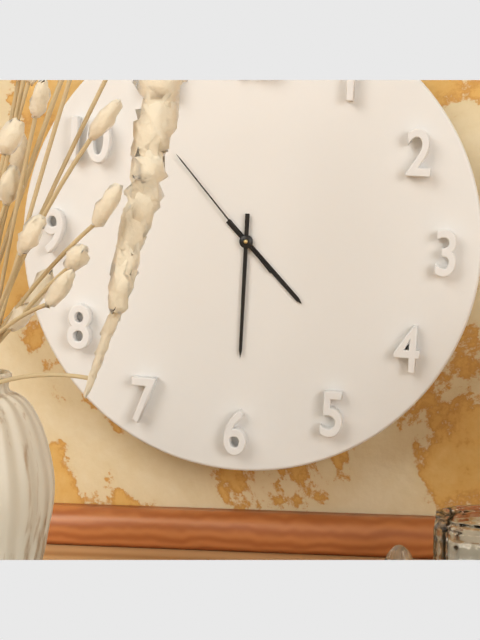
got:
4:30:53
